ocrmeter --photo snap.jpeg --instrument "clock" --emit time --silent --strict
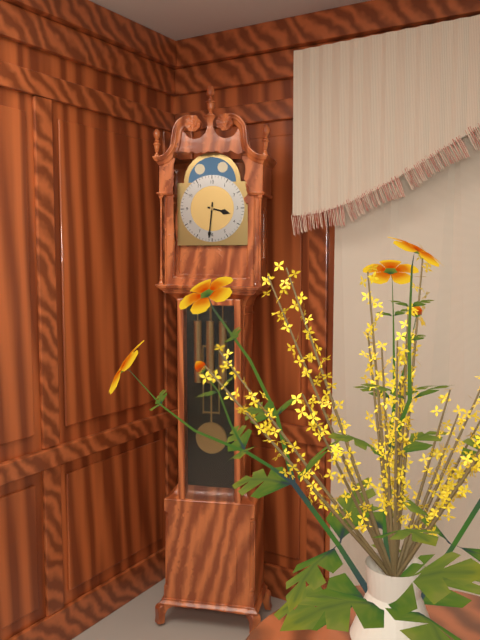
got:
3:31
